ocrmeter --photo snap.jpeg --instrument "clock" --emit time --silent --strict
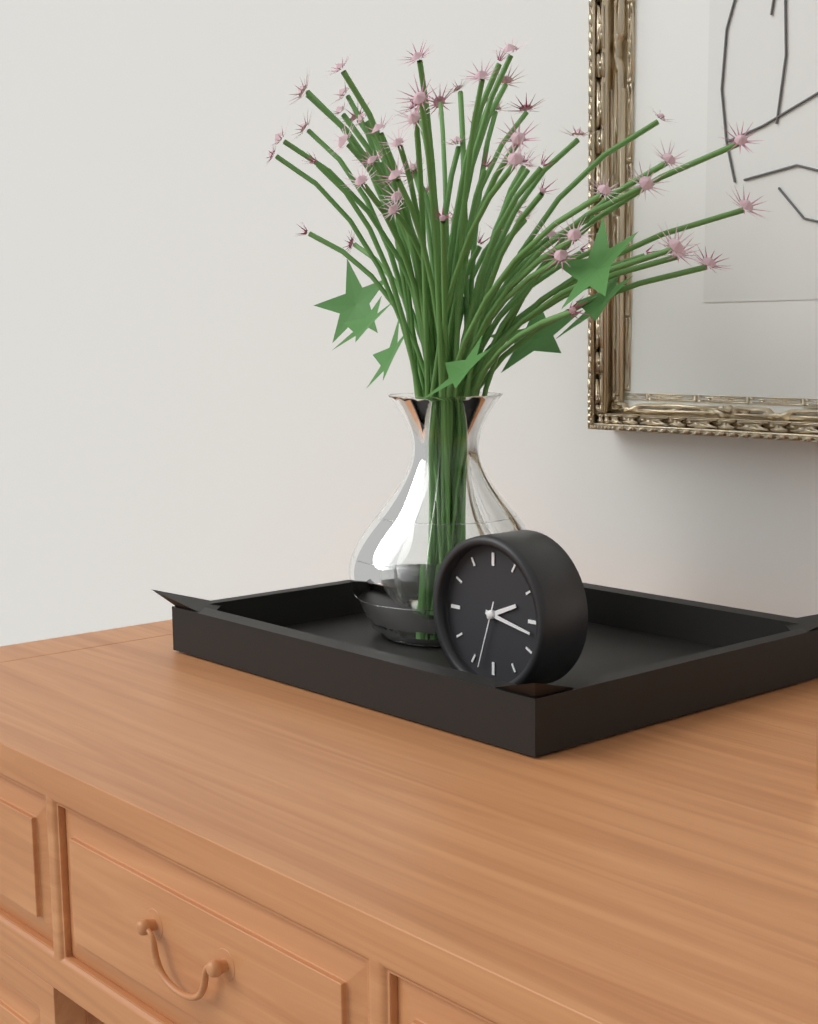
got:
2:17:33
